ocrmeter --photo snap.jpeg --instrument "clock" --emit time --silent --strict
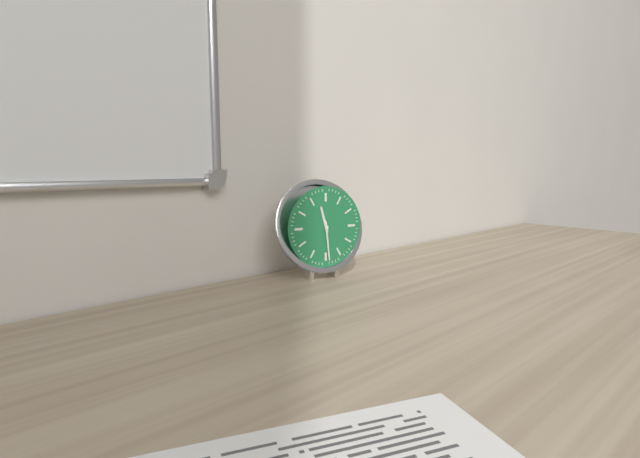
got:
11:29
